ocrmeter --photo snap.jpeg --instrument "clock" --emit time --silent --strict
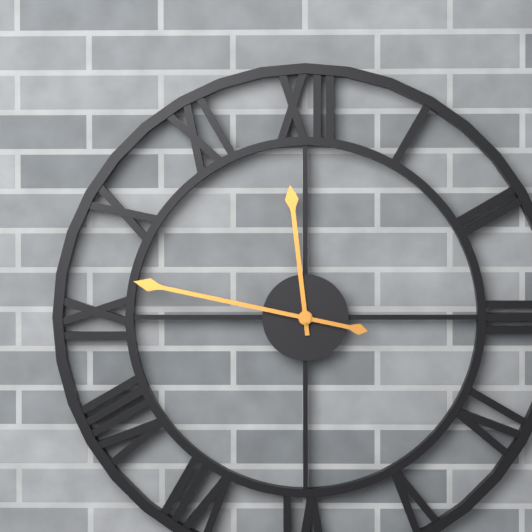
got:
11:47
